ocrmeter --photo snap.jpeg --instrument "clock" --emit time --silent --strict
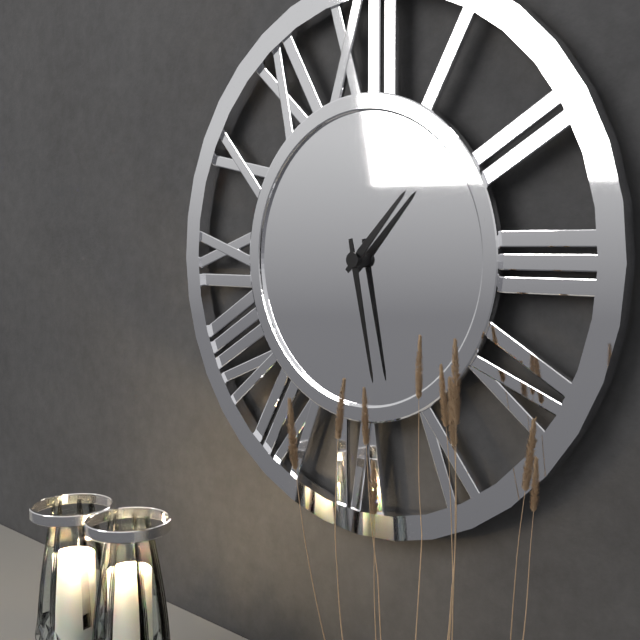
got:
1:28
